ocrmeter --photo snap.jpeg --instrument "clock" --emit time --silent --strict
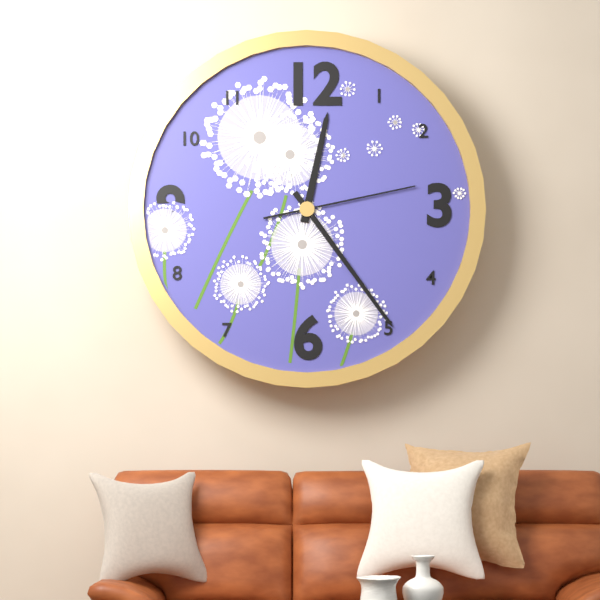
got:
12:24:13
